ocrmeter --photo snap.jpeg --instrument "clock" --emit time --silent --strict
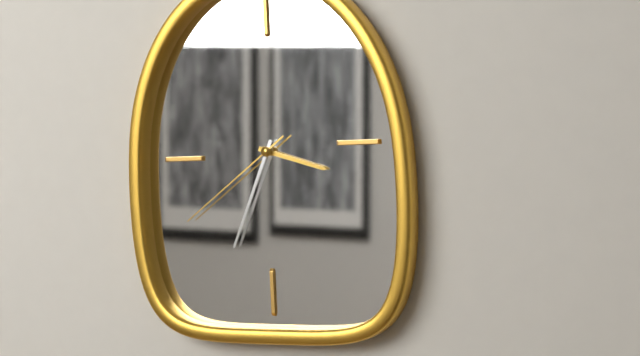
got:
3:34:39
